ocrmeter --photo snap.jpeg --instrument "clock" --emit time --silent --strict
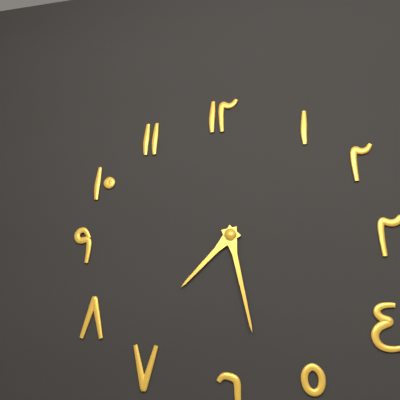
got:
7:28
